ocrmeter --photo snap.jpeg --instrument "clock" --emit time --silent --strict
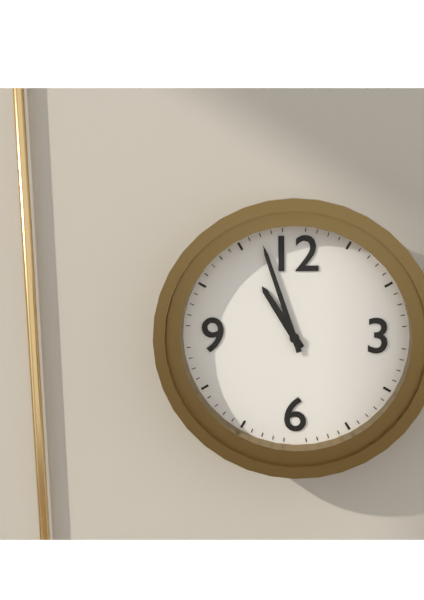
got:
10:57
